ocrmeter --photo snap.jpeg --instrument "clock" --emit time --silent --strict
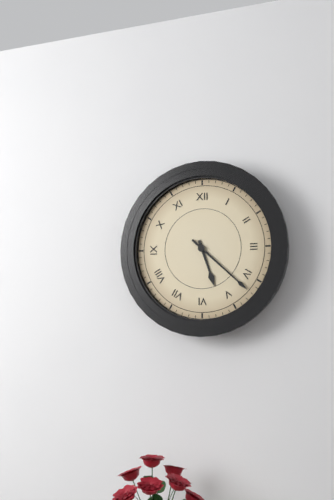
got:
5:22
